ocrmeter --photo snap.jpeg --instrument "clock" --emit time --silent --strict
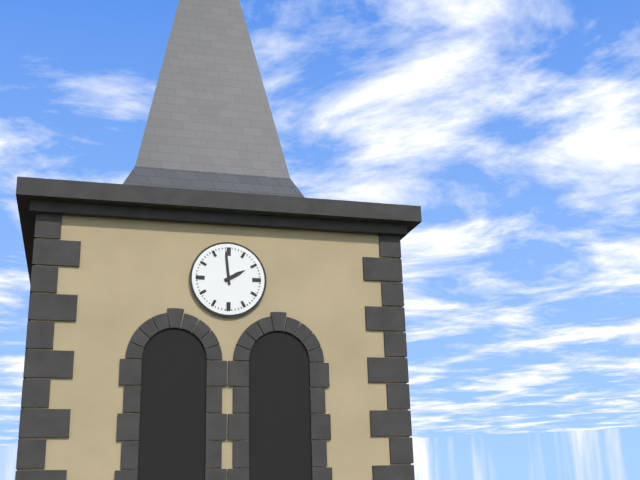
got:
1:59
